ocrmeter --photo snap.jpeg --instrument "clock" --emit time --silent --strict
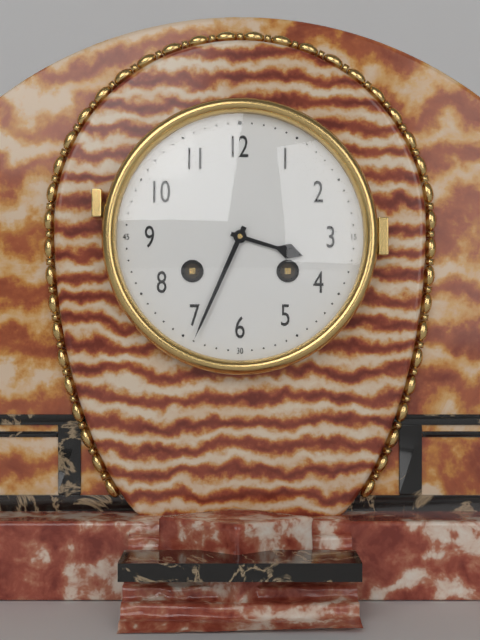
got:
3:34
